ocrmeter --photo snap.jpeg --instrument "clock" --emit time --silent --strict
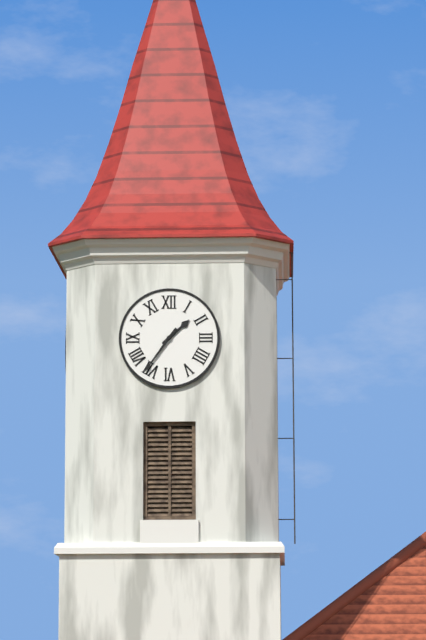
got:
1:36
